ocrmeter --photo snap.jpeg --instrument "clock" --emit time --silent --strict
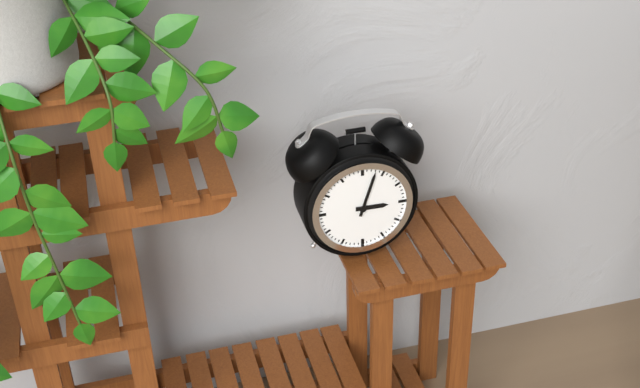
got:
3:03
